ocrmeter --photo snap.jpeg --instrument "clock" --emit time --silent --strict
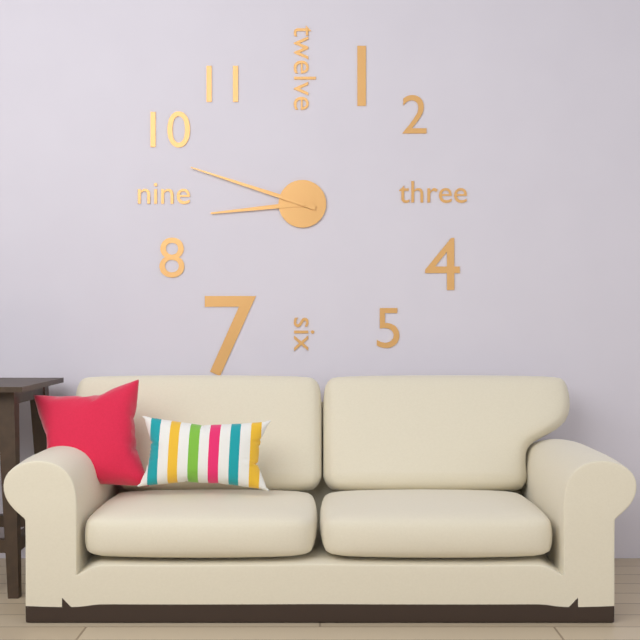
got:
8:48
